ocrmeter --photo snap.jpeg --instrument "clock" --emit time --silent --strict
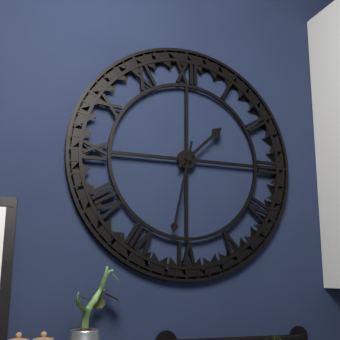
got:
1:32
